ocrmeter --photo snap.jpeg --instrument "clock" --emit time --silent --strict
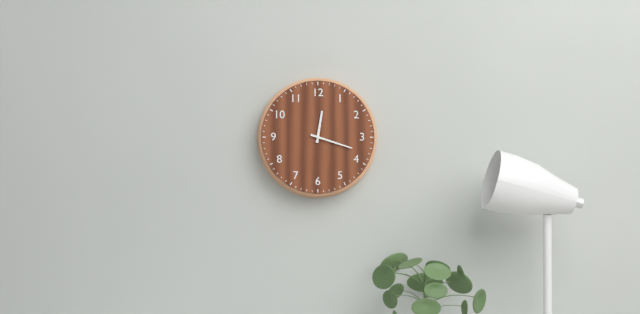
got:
12:18
